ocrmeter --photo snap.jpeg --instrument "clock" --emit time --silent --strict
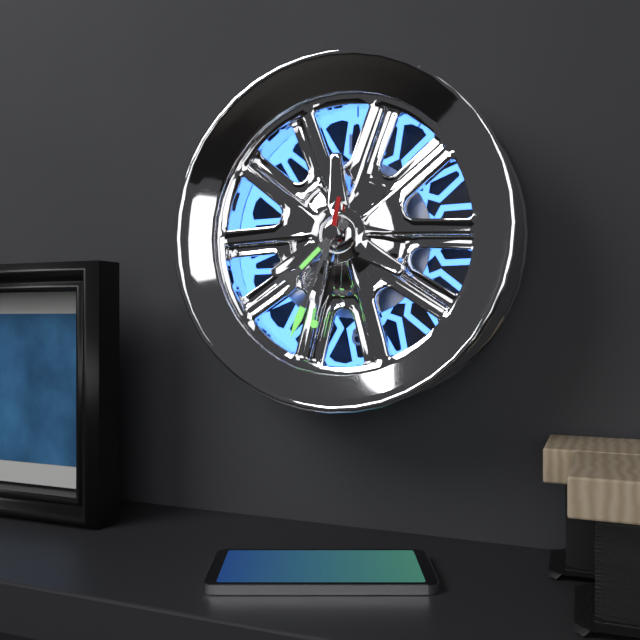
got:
7:34:32
